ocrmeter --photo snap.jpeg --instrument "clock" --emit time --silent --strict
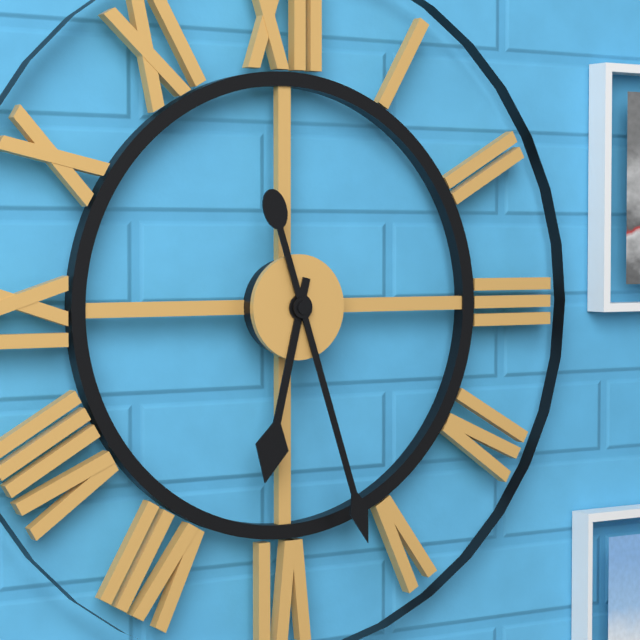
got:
6:27
